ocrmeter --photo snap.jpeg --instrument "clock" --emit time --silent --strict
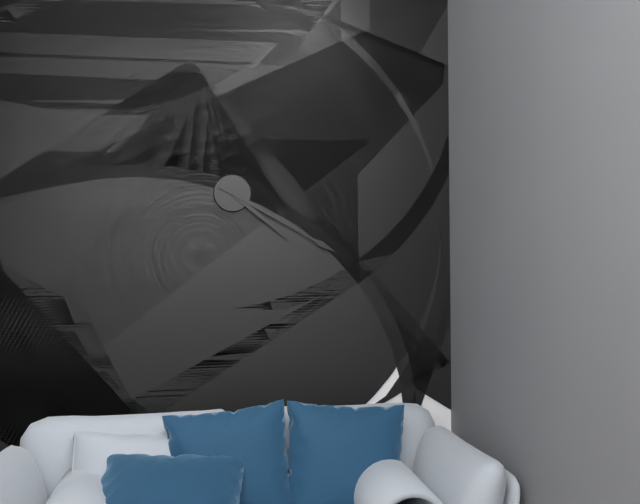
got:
4:20
